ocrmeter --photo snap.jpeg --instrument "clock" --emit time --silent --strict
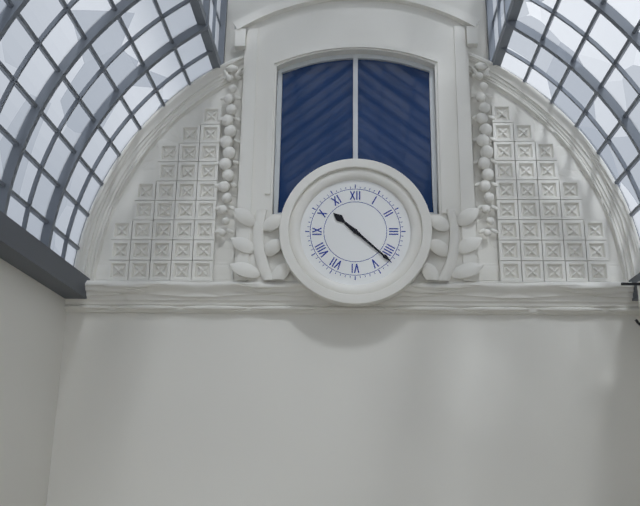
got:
10:22
